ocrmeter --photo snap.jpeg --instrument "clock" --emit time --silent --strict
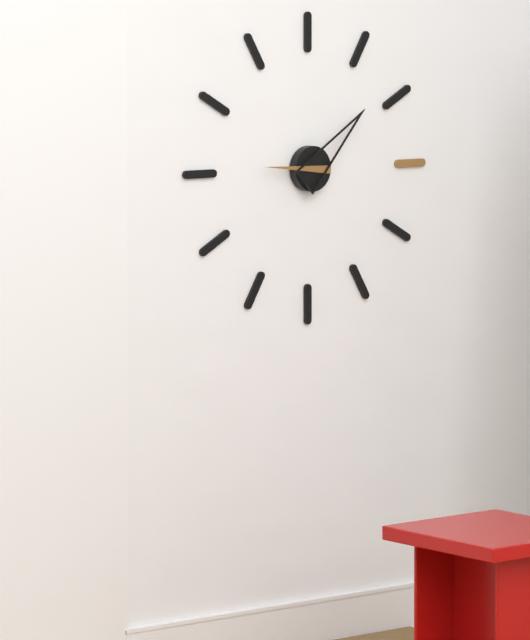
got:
9:08
